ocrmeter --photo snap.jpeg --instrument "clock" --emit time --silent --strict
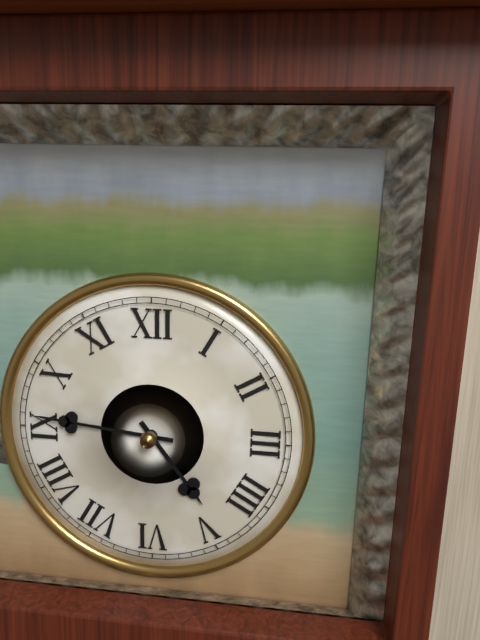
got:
4:46
